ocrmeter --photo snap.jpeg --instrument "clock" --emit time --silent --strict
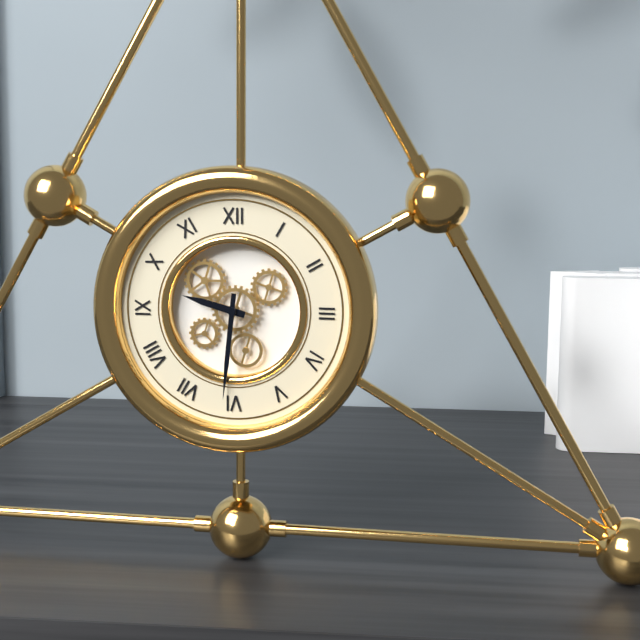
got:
9:31
